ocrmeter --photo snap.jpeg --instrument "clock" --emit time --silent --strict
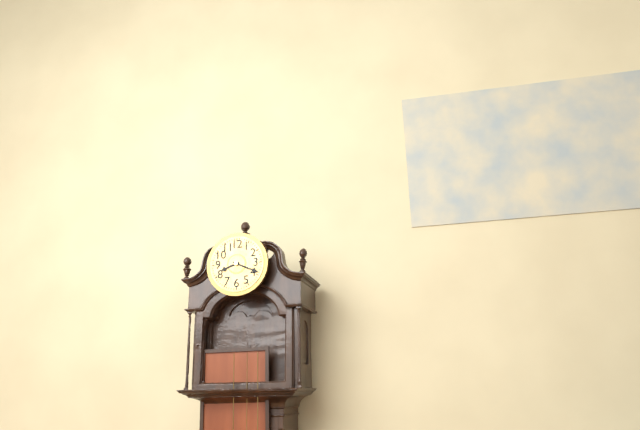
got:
8:19
